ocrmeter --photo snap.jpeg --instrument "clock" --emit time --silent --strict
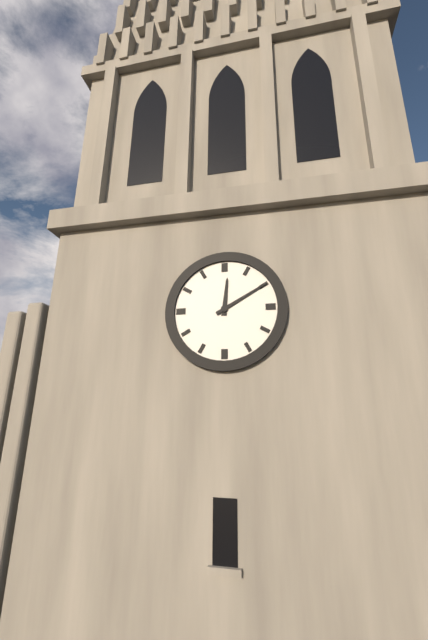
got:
12:10
